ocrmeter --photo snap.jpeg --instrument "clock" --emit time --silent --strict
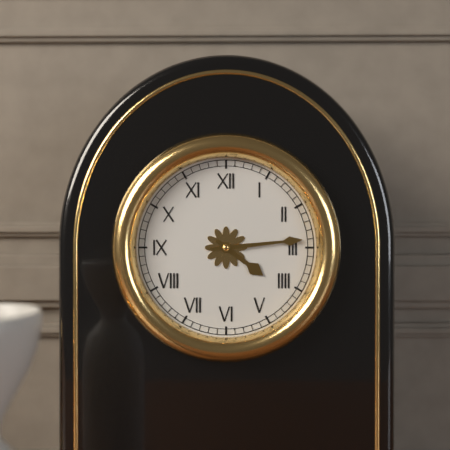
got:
4:14
